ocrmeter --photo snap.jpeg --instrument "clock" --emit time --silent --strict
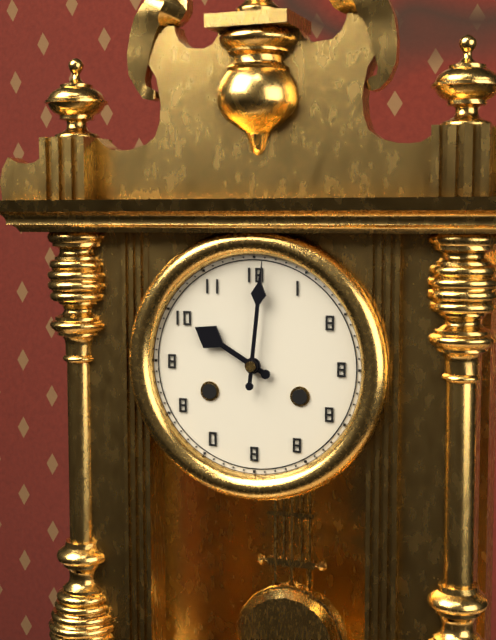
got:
10:01
